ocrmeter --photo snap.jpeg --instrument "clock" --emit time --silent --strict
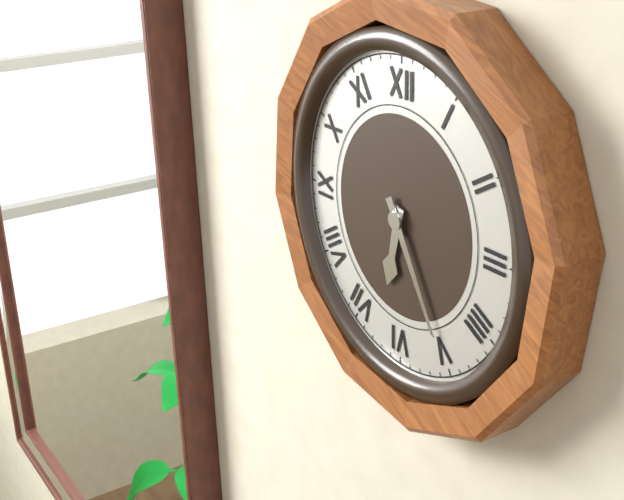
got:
6:25
